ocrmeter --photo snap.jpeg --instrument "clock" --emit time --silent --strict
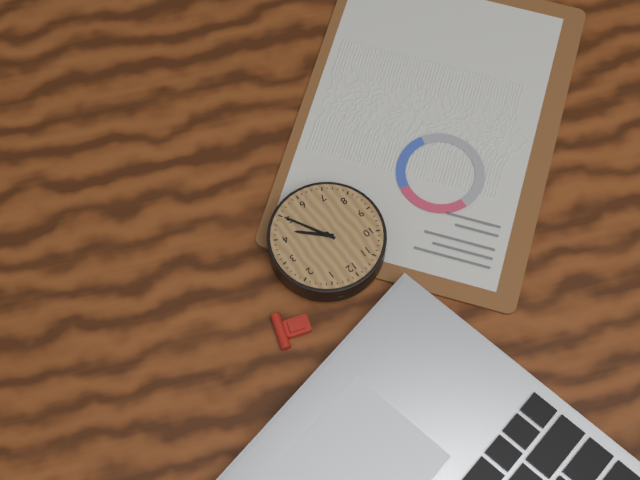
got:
4:25
